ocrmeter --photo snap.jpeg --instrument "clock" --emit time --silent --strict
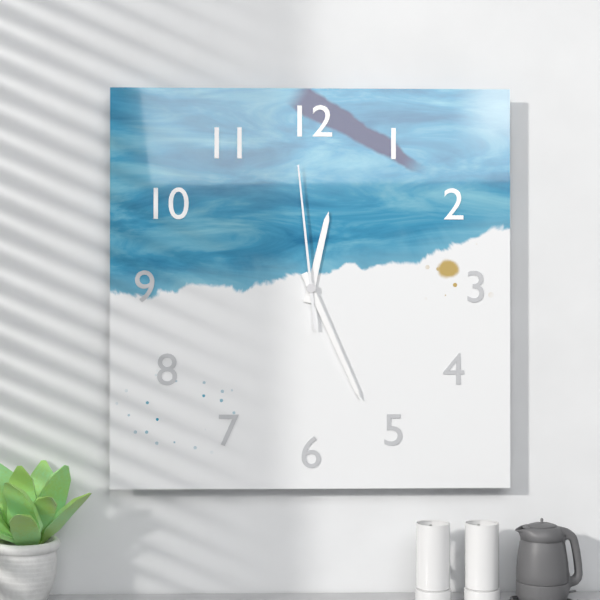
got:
12:26:59
